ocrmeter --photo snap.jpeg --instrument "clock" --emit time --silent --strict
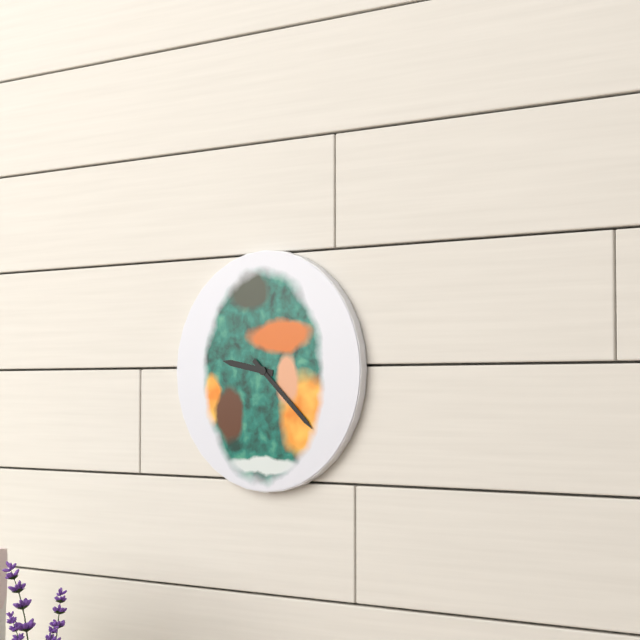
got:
9:22
